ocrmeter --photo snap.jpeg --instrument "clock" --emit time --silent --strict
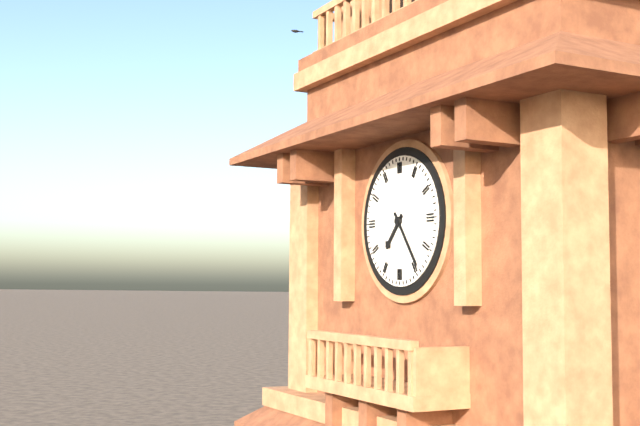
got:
7:24
